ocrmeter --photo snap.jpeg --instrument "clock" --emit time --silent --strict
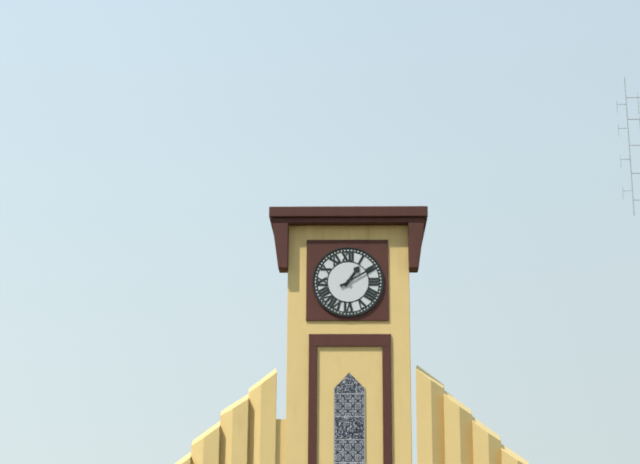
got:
1:10
